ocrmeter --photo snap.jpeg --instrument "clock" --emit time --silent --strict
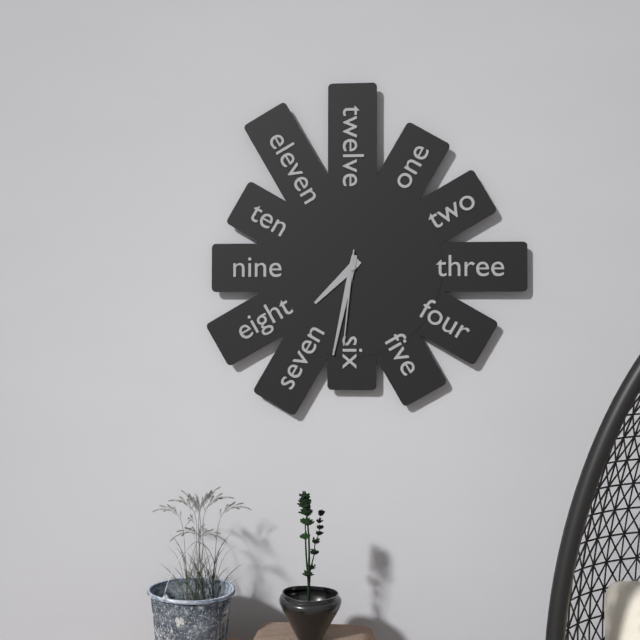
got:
7:32:31
